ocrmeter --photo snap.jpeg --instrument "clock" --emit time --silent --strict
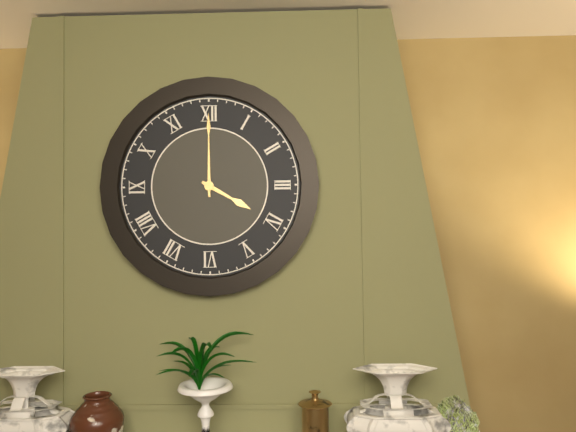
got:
4:00
